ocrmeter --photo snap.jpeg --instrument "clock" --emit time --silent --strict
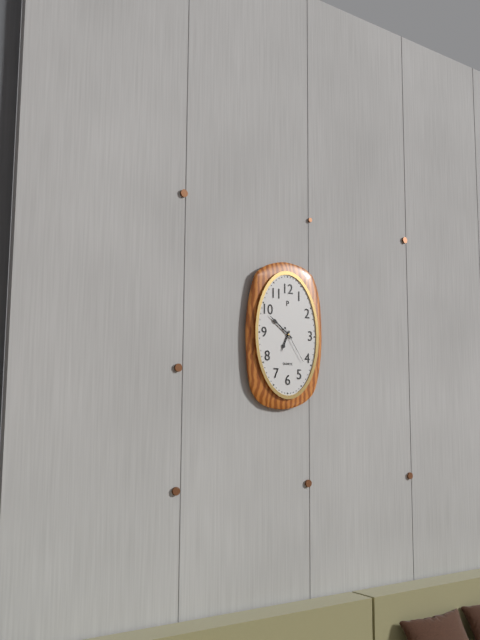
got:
6:51
